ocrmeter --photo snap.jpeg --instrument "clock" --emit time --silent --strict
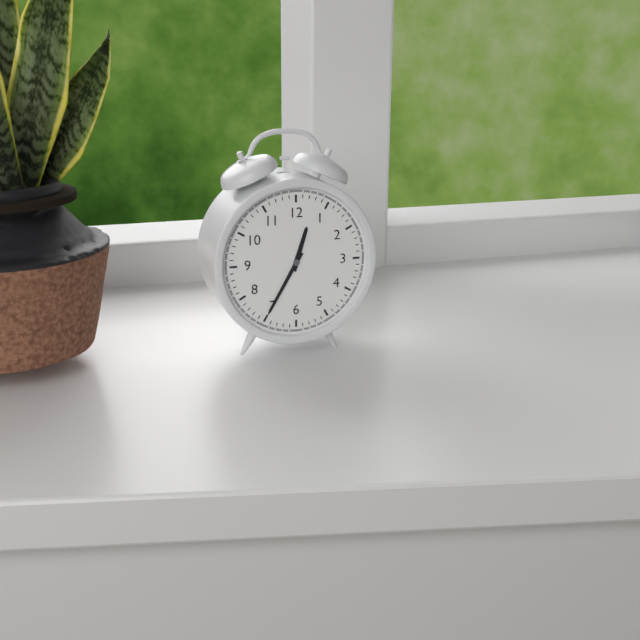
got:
12:35
